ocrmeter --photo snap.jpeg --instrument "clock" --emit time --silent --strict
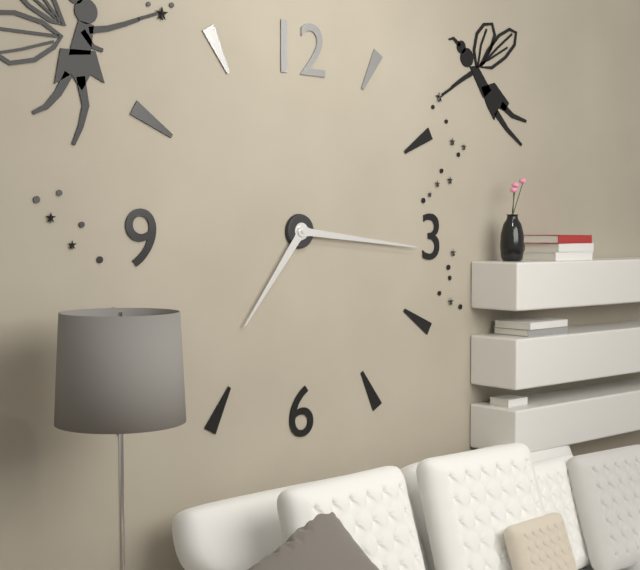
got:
7:16
